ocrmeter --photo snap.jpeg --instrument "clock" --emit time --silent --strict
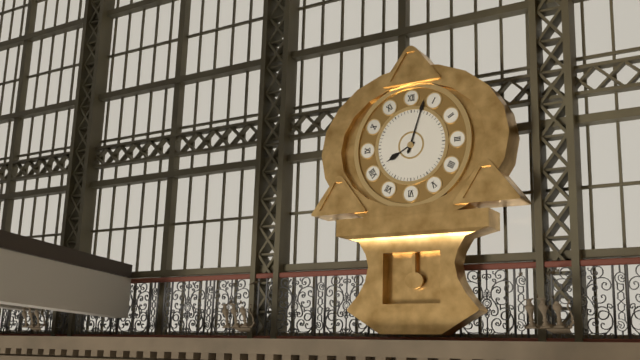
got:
8:03
